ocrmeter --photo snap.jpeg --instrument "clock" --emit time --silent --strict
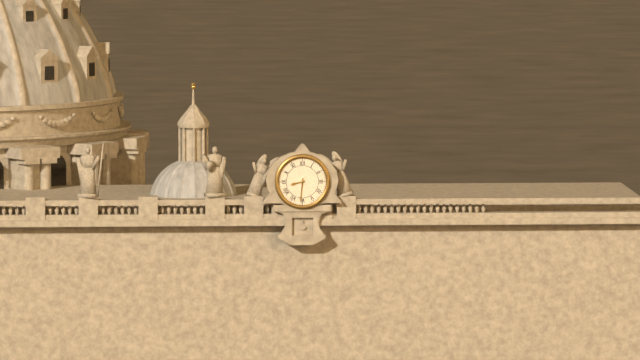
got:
8:31
